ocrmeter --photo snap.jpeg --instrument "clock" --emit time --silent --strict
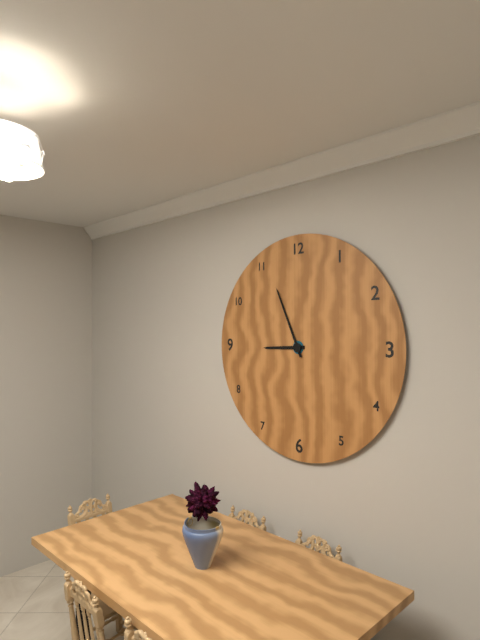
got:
8:56
